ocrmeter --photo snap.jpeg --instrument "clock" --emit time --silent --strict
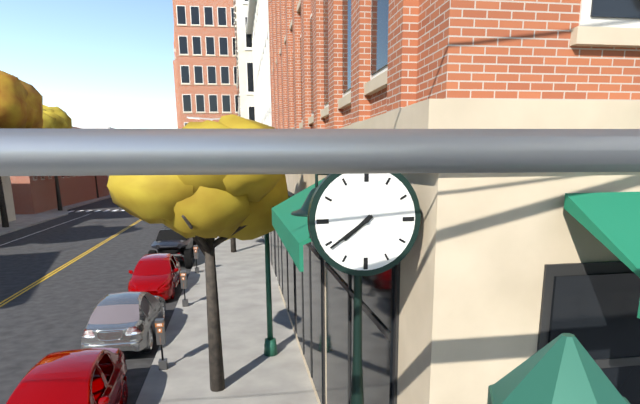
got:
7:39
